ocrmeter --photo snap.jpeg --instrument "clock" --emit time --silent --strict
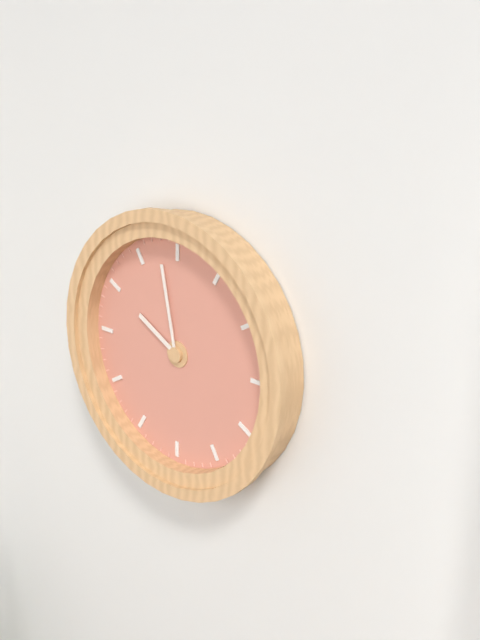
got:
9:58
